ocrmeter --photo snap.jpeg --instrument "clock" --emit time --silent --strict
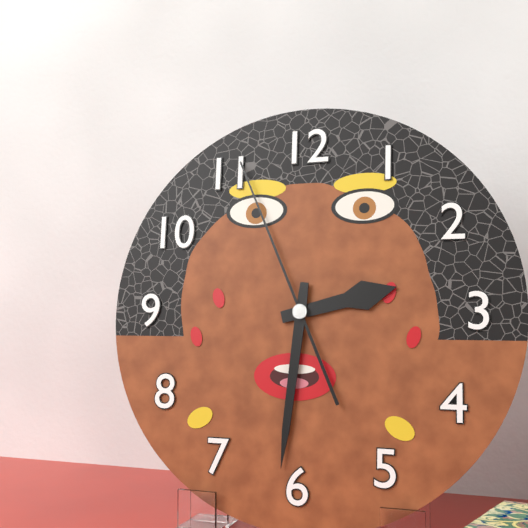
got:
2:31:56
